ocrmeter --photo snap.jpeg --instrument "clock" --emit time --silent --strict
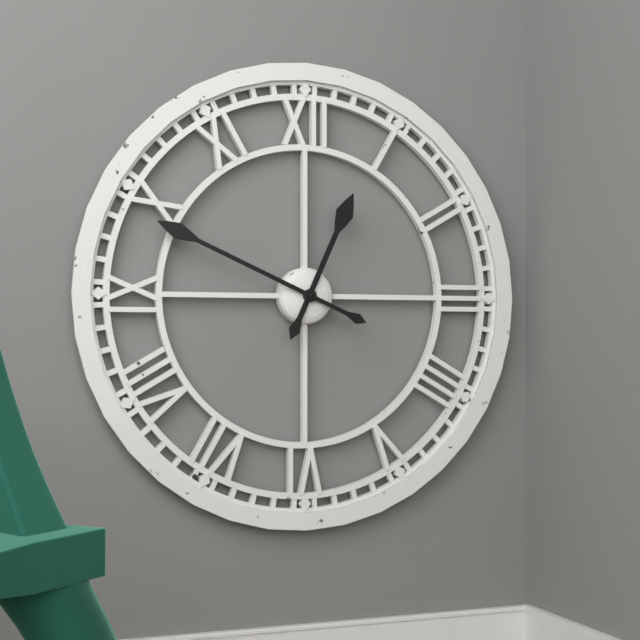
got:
12:49
